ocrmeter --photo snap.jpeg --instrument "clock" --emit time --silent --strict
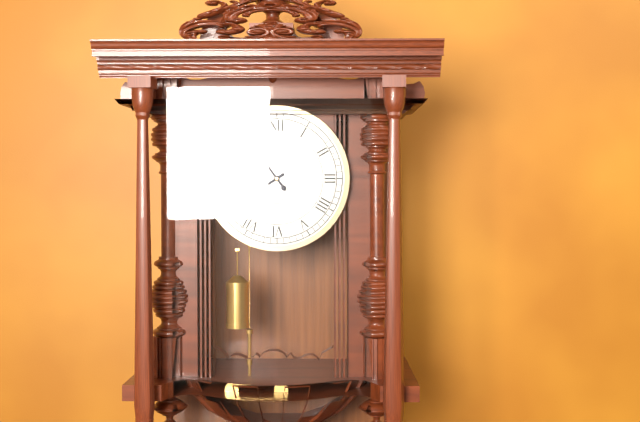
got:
7:54
